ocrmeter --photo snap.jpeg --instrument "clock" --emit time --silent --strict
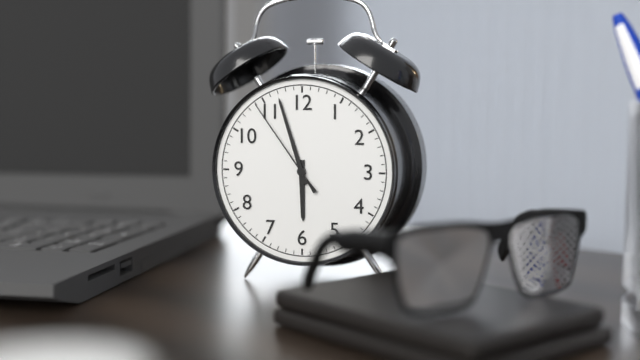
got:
5:57:54
